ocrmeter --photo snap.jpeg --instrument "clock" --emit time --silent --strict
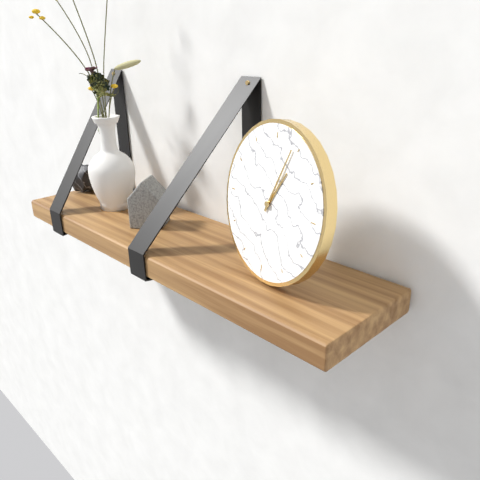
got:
1:04
